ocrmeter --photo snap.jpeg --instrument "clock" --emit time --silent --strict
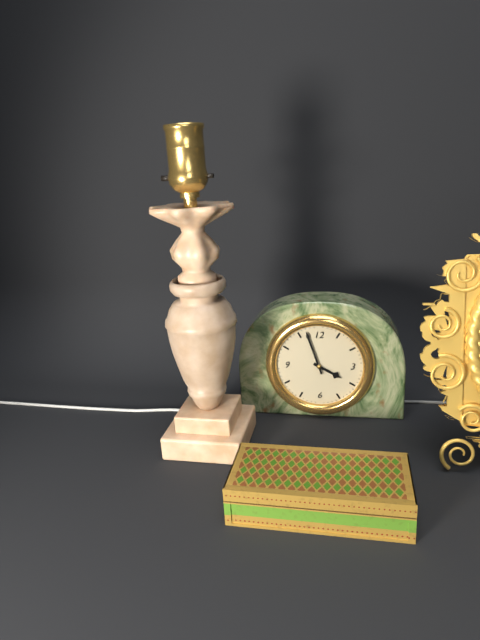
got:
3:57
